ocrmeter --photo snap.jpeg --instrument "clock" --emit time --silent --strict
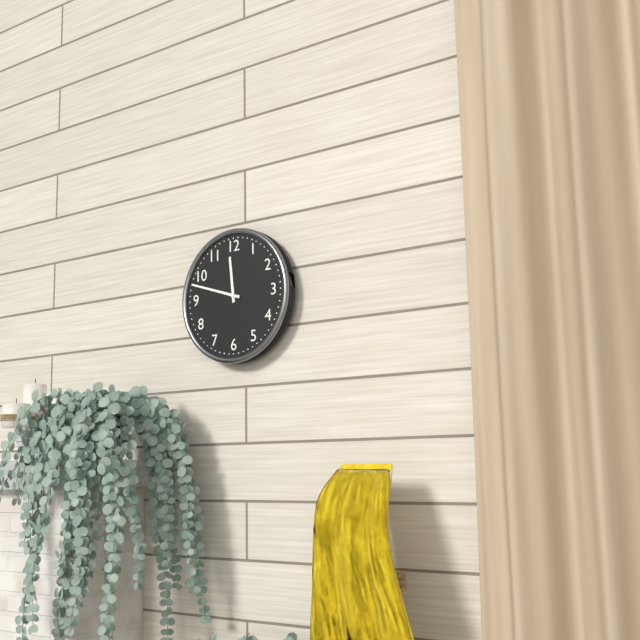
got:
11:48
